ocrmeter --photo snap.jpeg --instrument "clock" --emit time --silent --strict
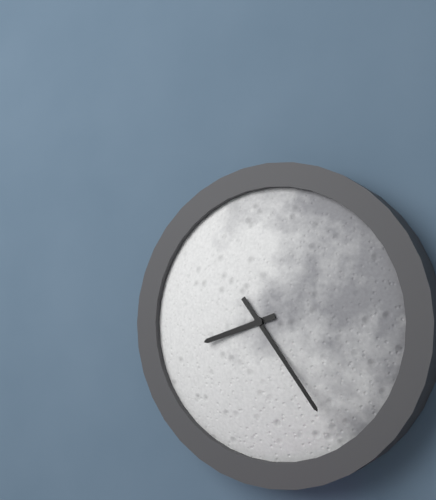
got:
8:24
